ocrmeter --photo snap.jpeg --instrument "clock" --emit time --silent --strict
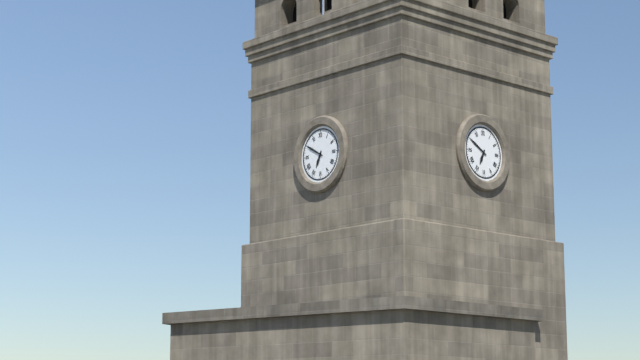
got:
6:50
